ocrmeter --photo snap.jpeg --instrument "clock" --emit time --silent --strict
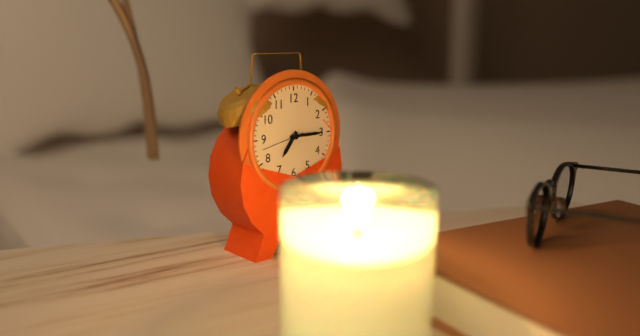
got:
7:15
